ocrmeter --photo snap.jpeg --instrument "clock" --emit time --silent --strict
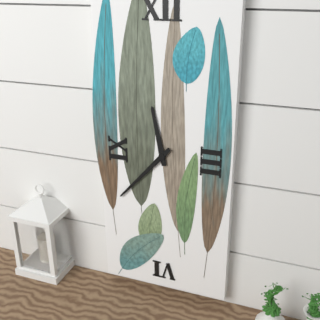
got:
11:37
